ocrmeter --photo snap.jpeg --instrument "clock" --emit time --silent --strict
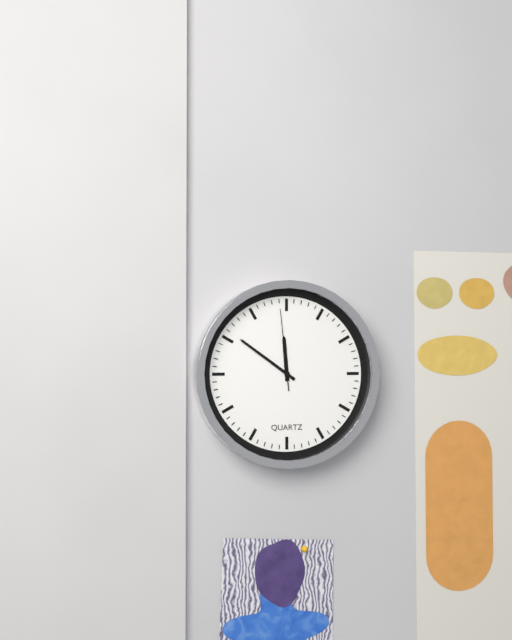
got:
11:51:59
